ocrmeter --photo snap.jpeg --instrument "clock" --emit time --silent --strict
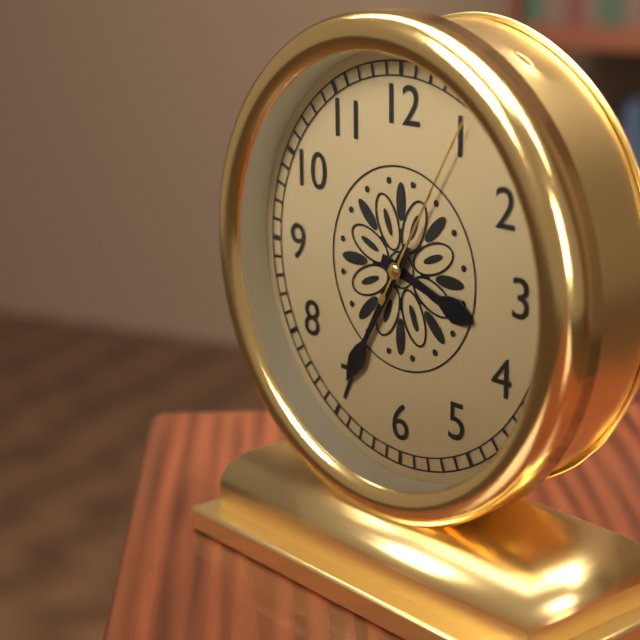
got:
3:35:05
